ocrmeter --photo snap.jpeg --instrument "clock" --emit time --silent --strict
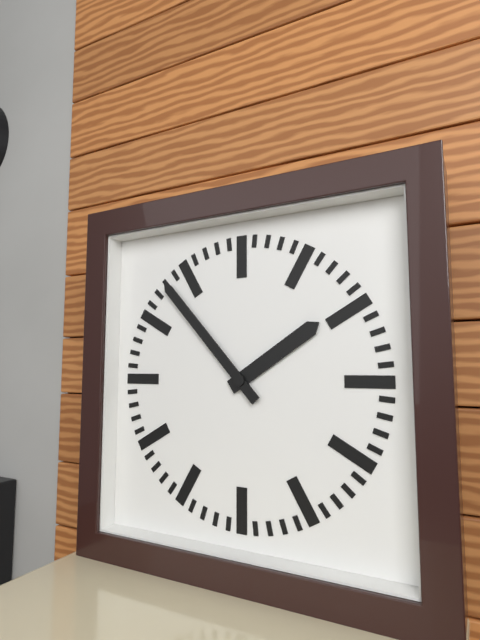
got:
1:53
